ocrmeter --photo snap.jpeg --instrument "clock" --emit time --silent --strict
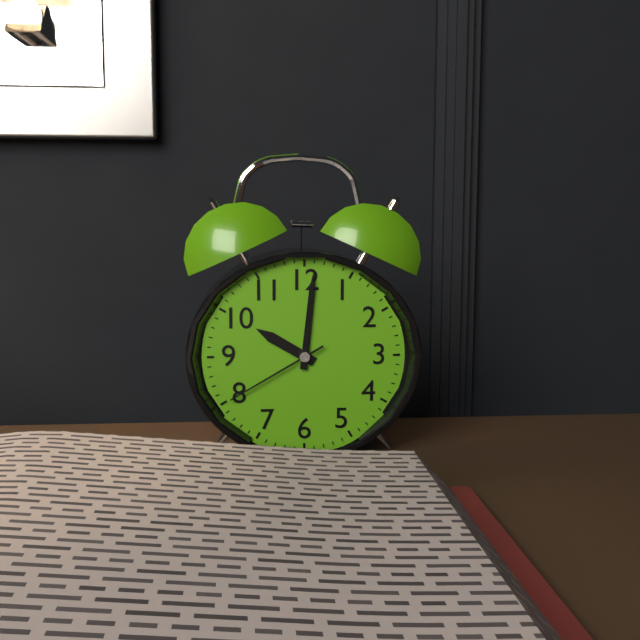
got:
10:01:40
